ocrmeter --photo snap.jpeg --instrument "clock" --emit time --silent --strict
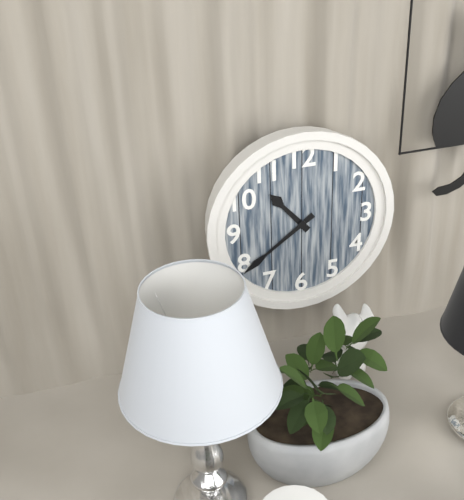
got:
10:39
